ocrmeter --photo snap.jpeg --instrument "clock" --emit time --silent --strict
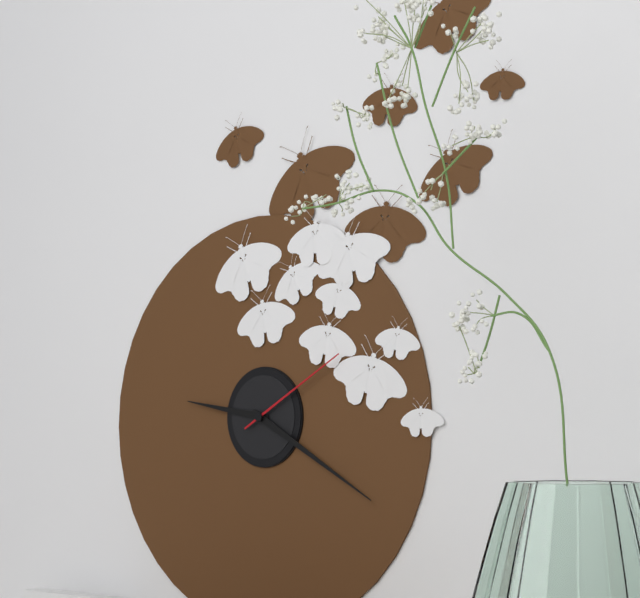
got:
9:20:10
